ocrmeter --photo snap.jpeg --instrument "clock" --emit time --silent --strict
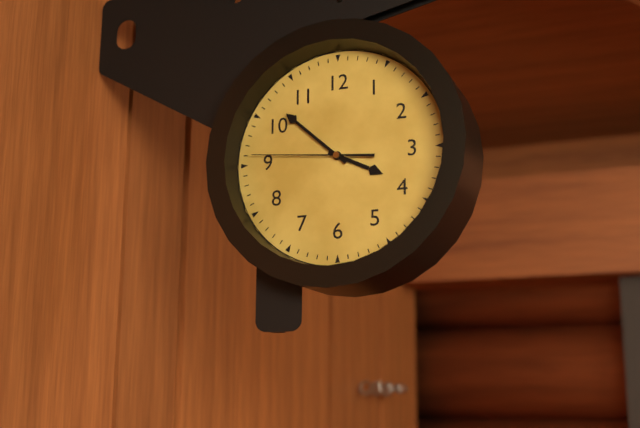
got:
3:52:46
